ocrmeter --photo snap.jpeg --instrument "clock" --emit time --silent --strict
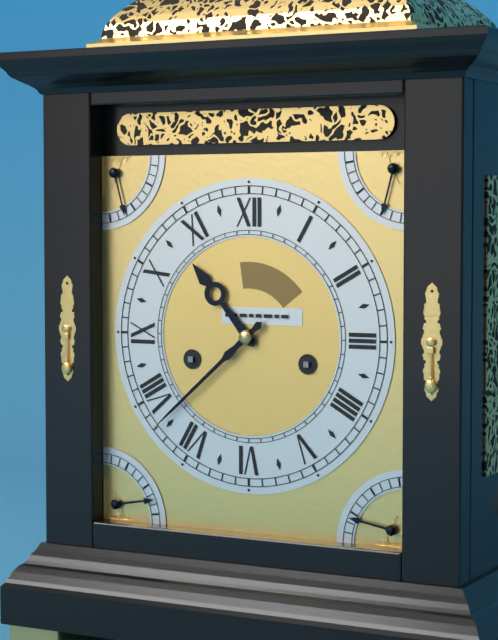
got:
10:38
